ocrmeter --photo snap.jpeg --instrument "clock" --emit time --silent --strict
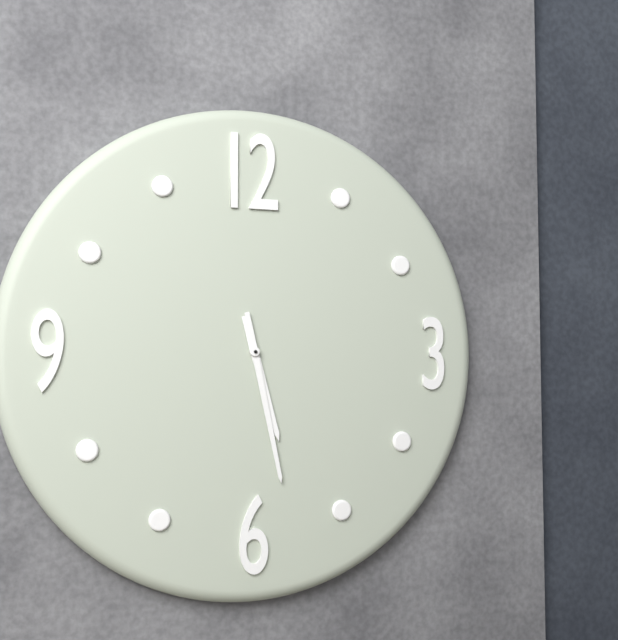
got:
5:28
